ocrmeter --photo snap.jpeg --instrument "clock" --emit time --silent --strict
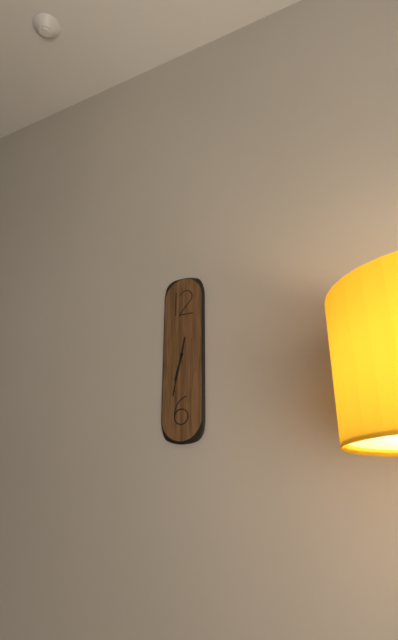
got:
6:32
